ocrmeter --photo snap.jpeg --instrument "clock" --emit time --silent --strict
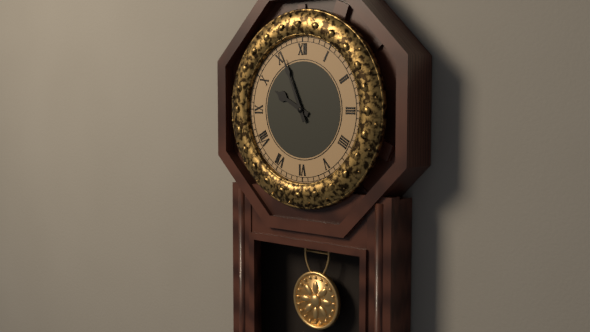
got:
9:56
